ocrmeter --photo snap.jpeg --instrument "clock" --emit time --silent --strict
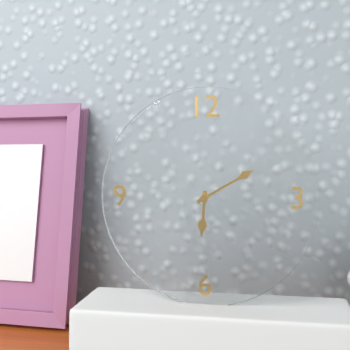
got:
6:10
